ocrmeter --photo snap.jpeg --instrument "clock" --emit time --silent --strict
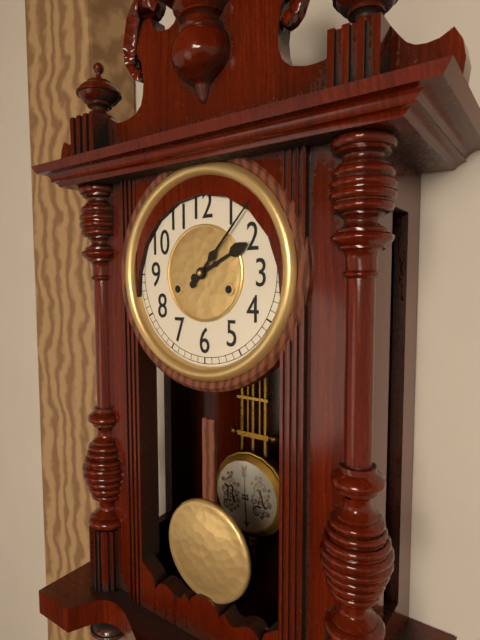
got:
2:07
